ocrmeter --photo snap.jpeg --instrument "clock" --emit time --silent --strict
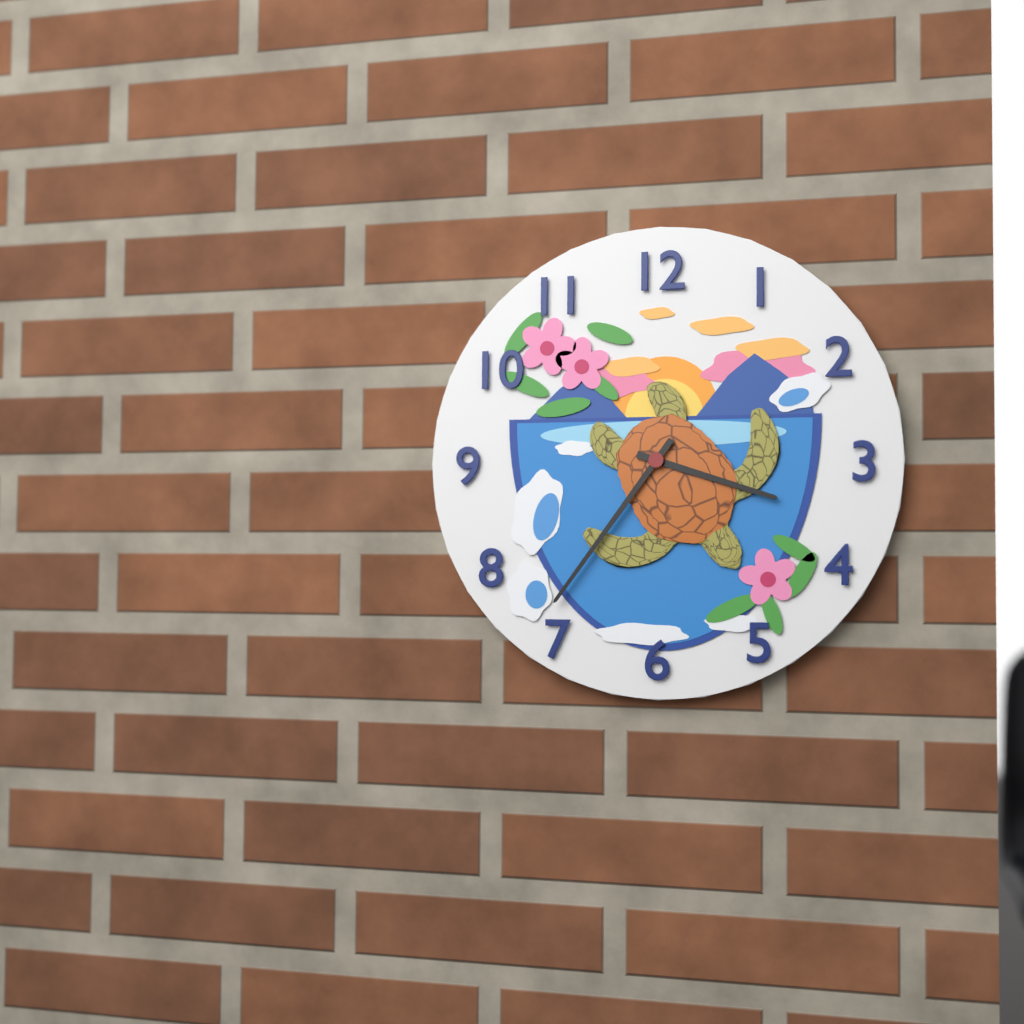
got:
3:36
